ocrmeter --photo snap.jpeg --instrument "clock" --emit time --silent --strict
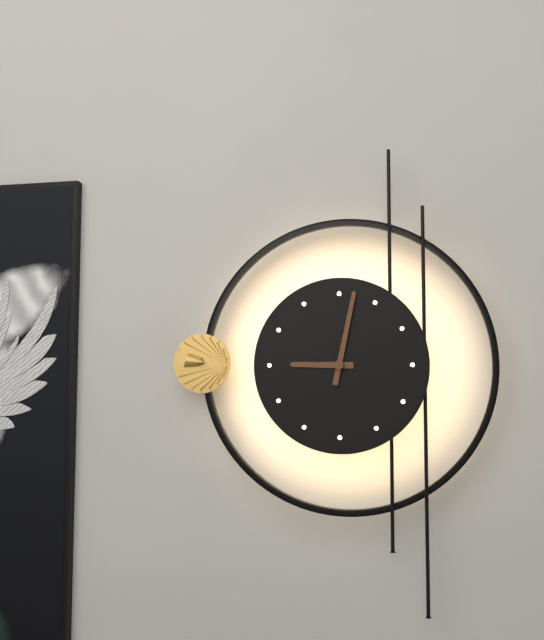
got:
9:02
